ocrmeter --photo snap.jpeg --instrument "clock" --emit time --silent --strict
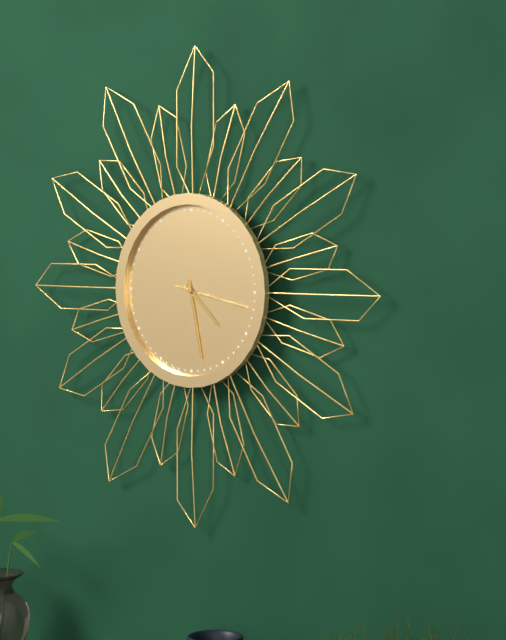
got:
4:28:17
